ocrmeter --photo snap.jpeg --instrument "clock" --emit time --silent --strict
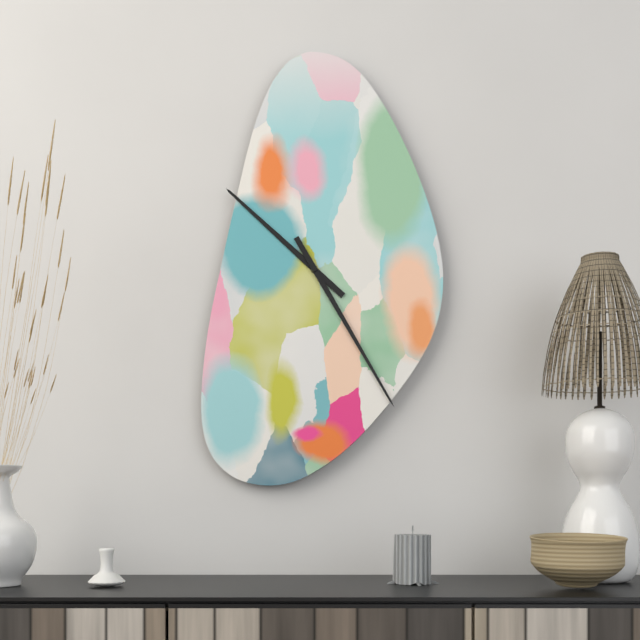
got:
10:25
